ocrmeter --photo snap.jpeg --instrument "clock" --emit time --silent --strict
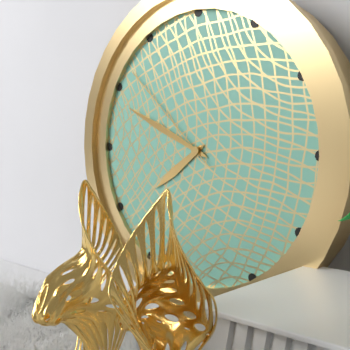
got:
7:49:52
